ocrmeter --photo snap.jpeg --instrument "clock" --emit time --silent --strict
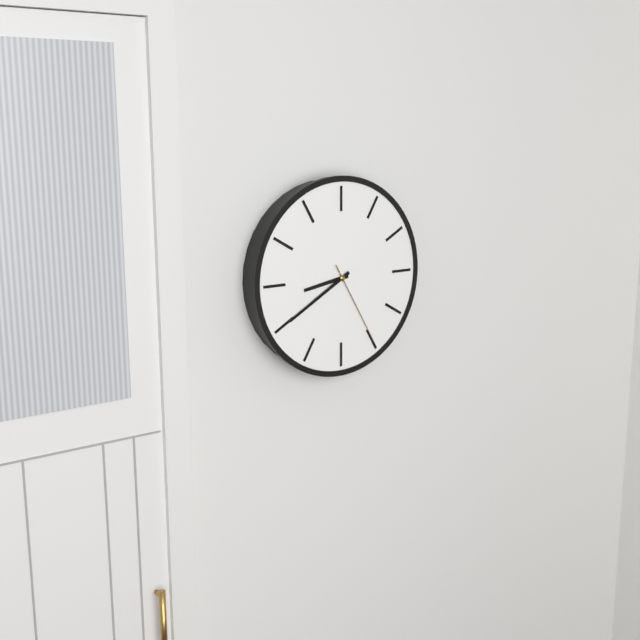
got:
8:40:25
